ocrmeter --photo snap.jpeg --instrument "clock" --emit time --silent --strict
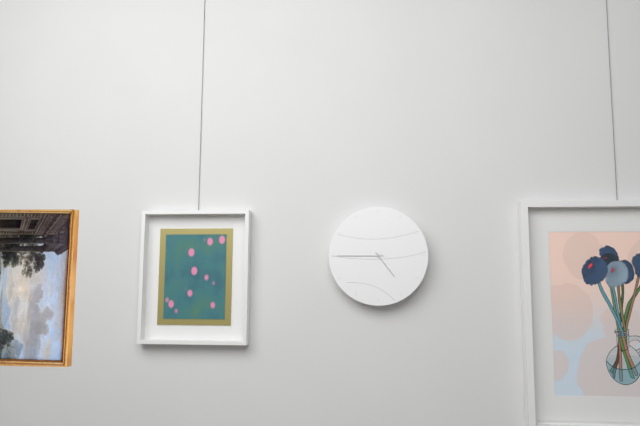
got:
4:45
